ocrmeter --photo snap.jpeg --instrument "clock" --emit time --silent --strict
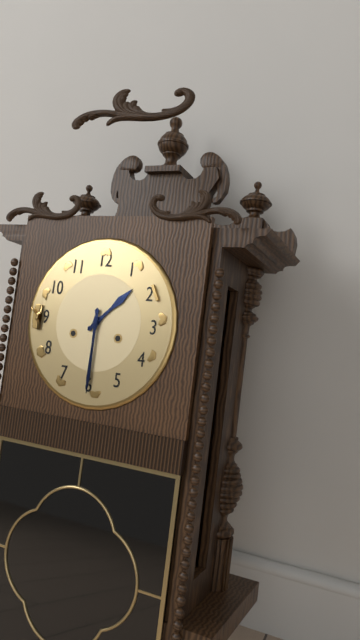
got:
1:30
